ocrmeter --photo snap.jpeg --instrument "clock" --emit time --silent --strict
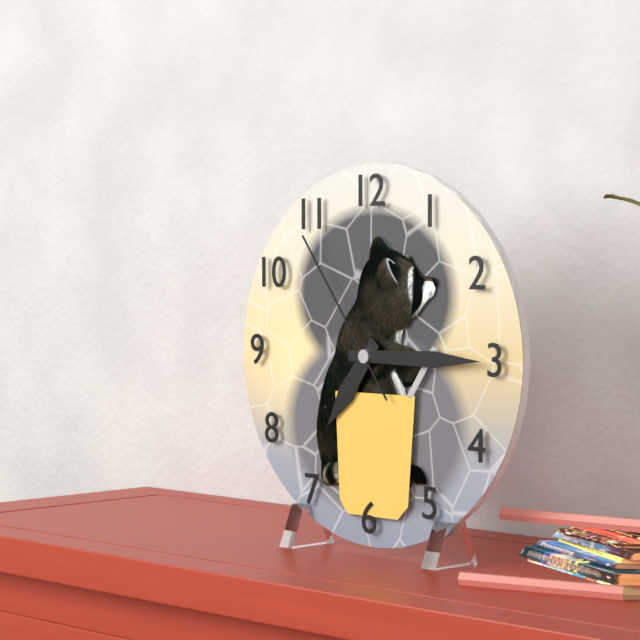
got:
7:15:54
